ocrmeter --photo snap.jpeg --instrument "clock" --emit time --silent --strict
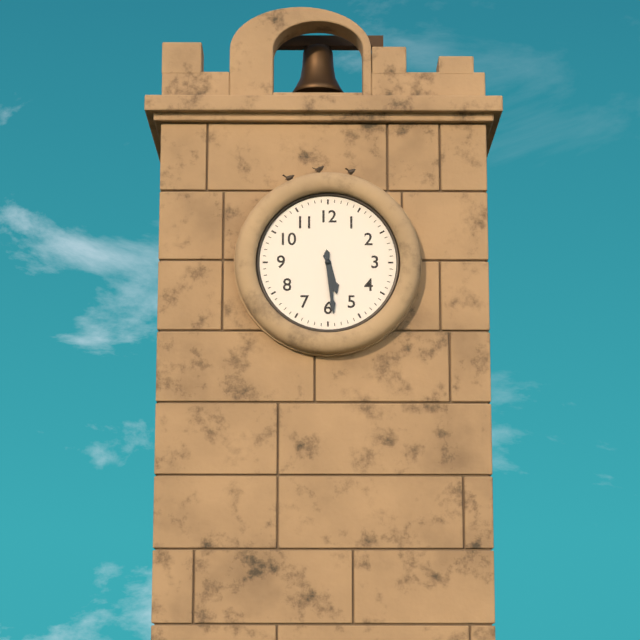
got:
5:29
